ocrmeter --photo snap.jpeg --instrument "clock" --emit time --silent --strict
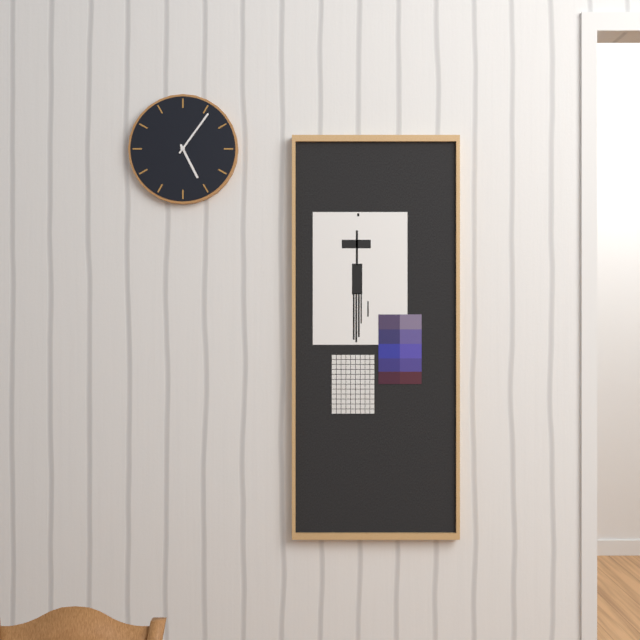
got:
5:06
